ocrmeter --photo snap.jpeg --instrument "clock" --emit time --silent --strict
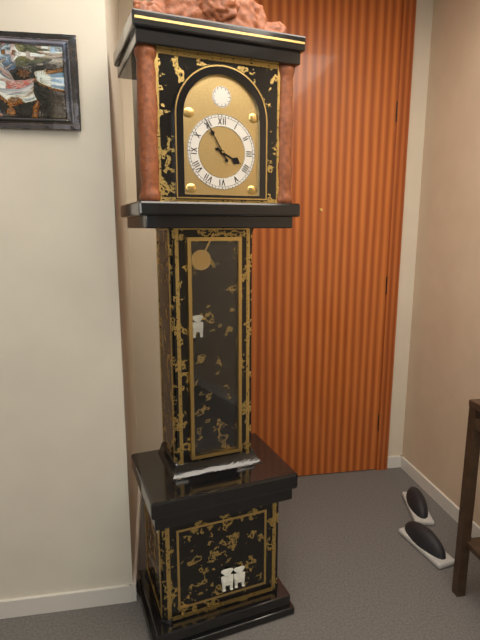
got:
3:55
